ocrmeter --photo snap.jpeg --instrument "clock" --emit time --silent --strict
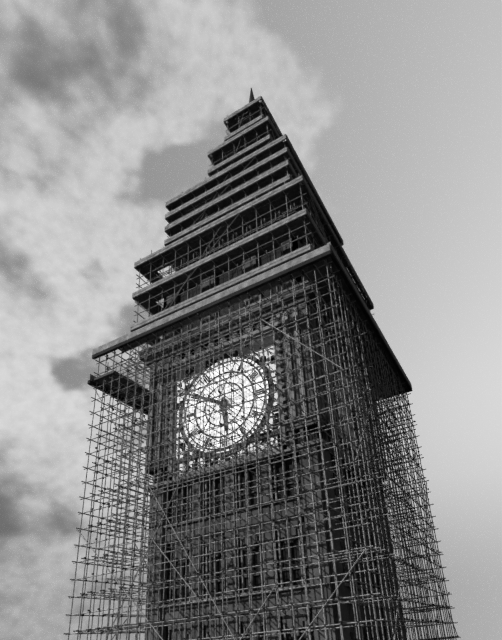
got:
5:50
